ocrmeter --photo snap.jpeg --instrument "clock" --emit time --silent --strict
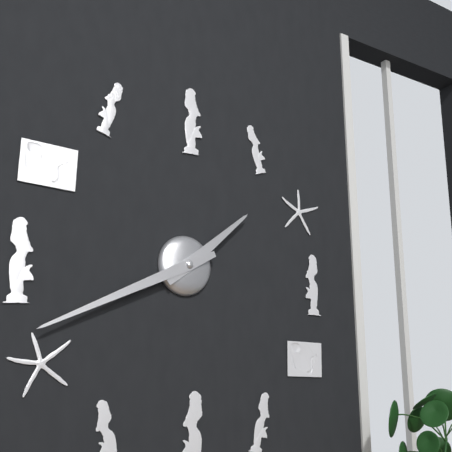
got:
1:41
